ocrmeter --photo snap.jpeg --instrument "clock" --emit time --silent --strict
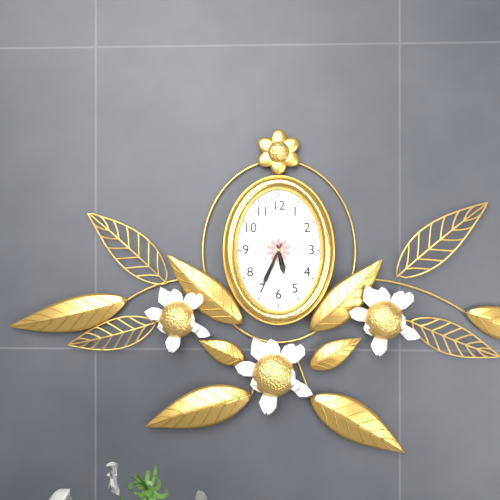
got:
5:34
